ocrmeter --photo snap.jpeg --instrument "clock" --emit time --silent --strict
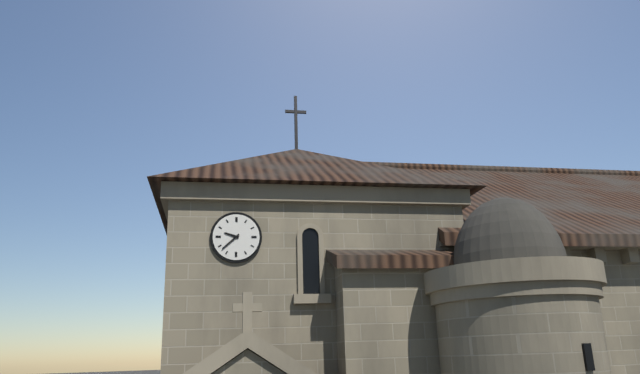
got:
9:38
